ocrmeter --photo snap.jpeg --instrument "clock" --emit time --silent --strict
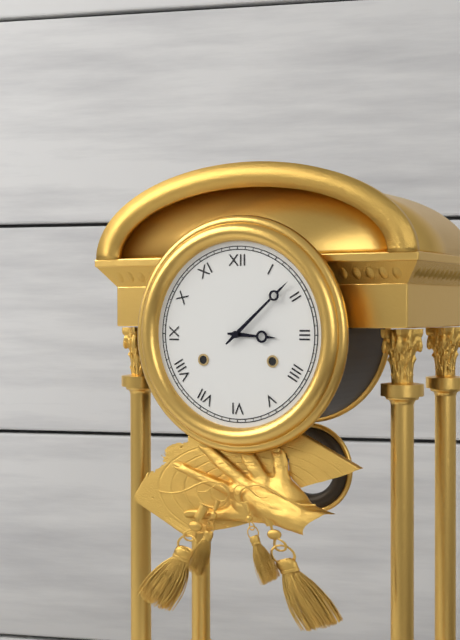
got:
3:08
